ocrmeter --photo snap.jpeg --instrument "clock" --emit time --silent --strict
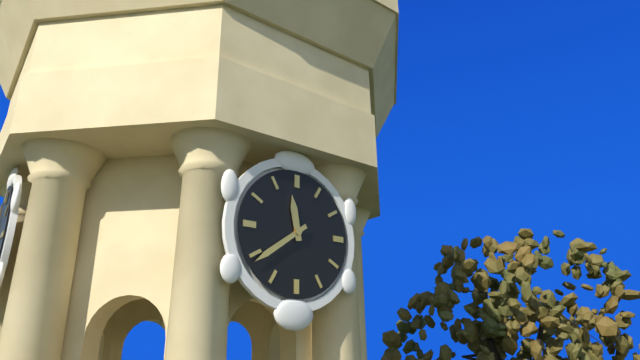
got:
11:39
